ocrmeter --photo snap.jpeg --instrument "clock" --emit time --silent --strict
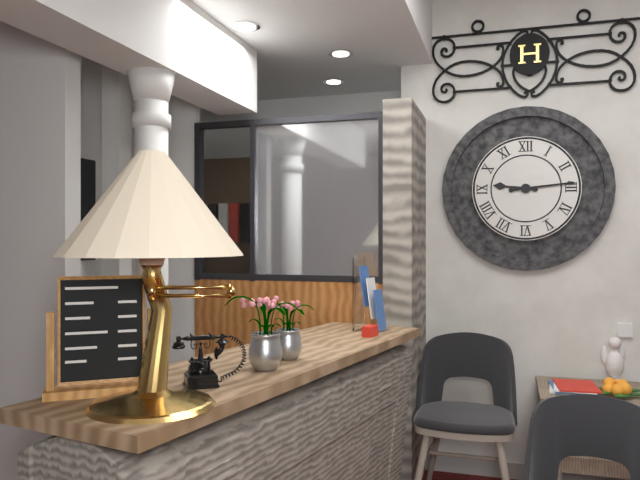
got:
9:14
